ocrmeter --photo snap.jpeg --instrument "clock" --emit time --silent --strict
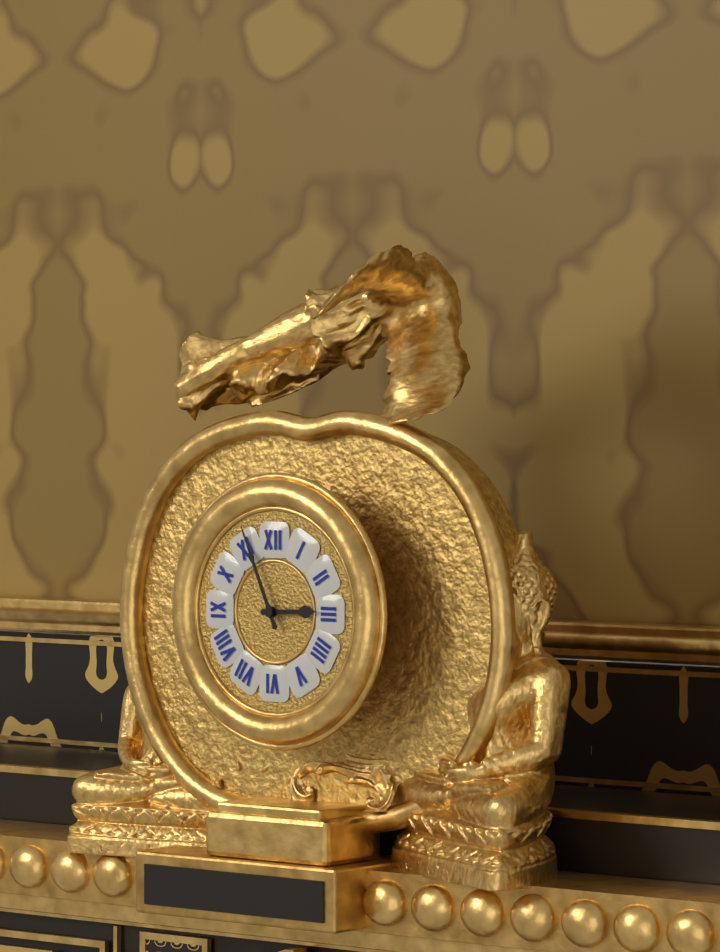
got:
2:56
